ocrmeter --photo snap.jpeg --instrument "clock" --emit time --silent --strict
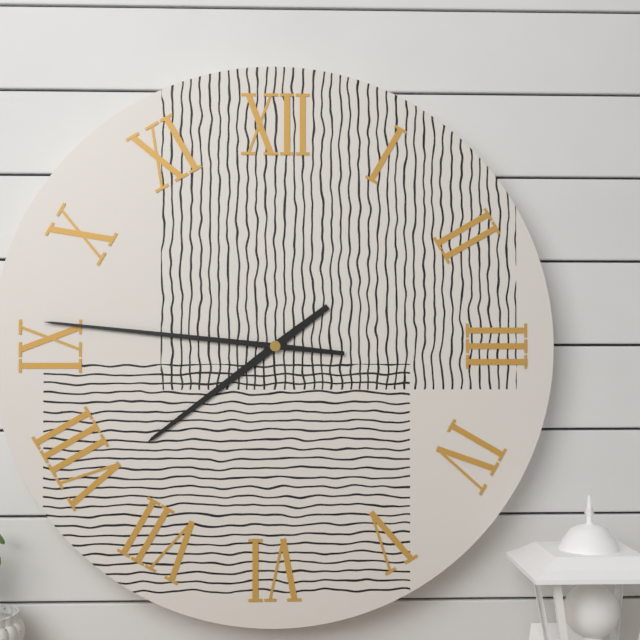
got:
7:46
